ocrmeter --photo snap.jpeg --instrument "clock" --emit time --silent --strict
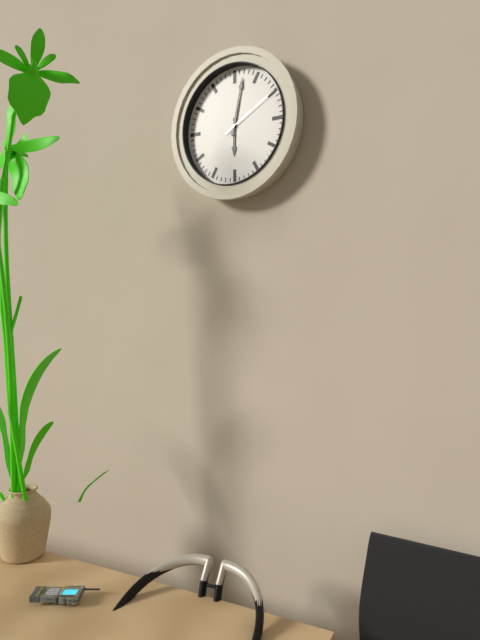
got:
6:02:10
